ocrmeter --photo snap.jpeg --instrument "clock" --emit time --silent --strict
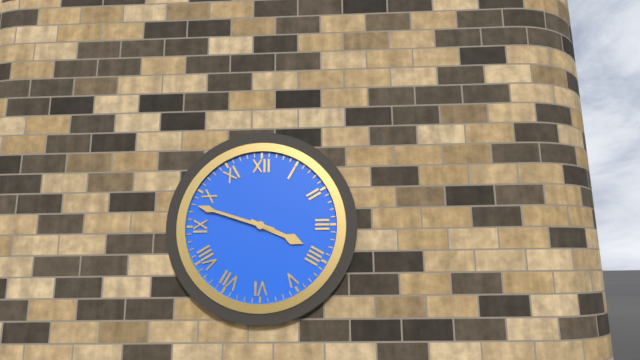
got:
3:48
